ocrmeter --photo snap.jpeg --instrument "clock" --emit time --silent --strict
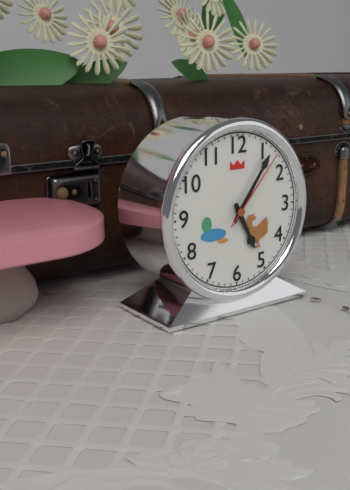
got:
5:06:07
